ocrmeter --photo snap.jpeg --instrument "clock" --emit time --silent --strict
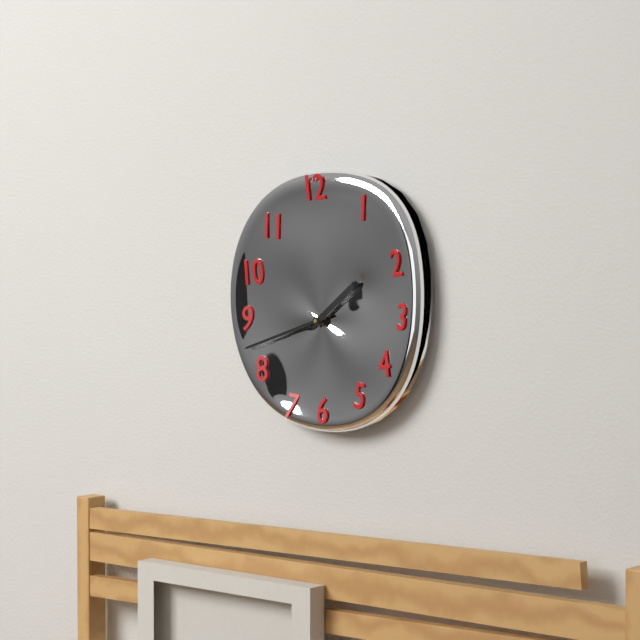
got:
1:42
